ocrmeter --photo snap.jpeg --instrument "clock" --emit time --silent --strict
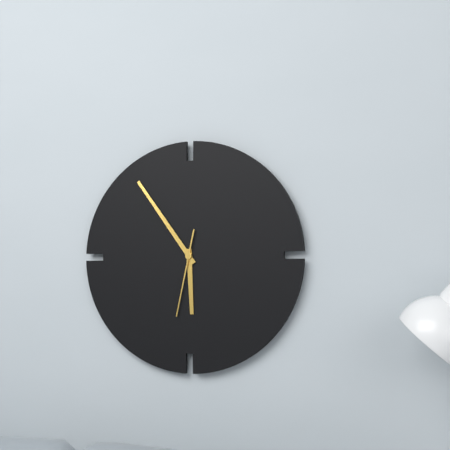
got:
5:54:32
